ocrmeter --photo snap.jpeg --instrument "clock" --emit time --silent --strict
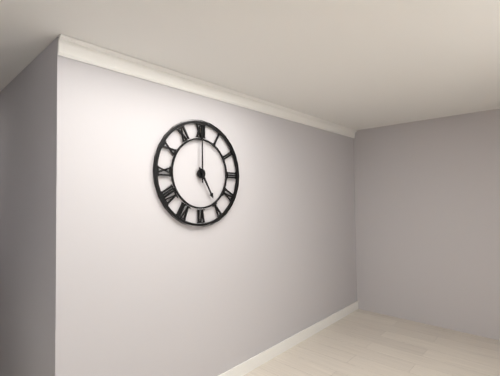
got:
5:00
